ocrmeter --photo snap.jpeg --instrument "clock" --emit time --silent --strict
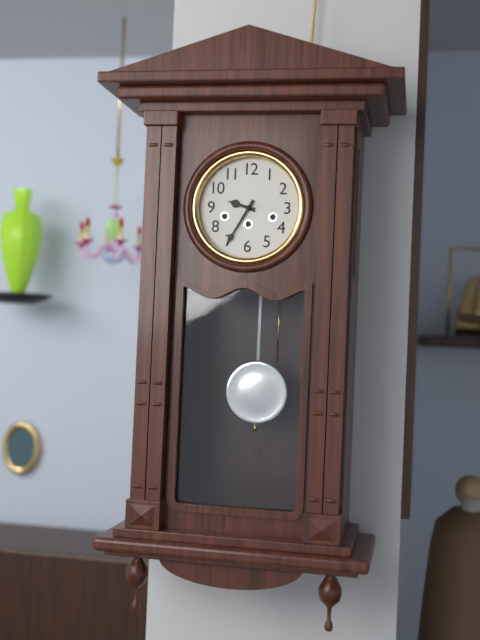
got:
9:35
